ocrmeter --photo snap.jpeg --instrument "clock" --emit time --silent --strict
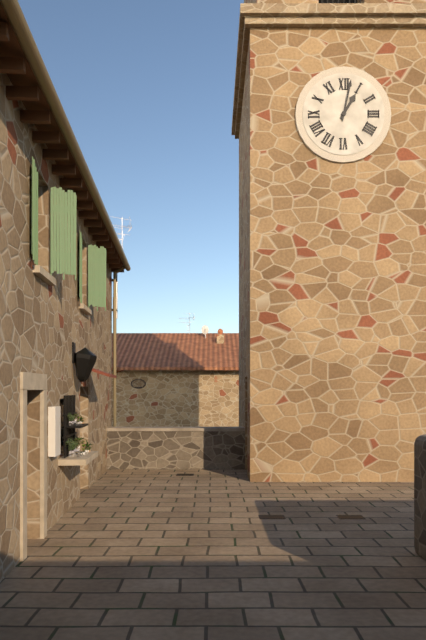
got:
1:02
